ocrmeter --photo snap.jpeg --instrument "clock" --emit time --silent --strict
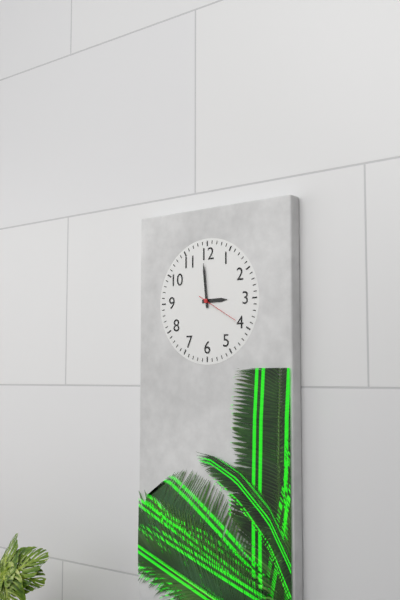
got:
2:59
